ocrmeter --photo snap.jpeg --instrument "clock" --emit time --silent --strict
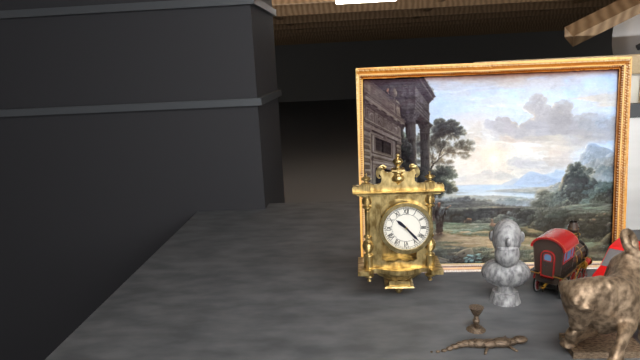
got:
10:23
